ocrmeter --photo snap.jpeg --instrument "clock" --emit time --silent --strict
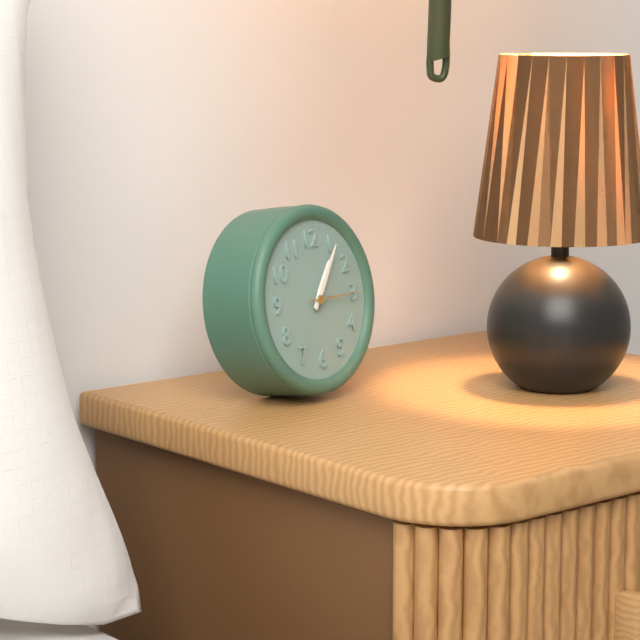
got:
1:06:15
